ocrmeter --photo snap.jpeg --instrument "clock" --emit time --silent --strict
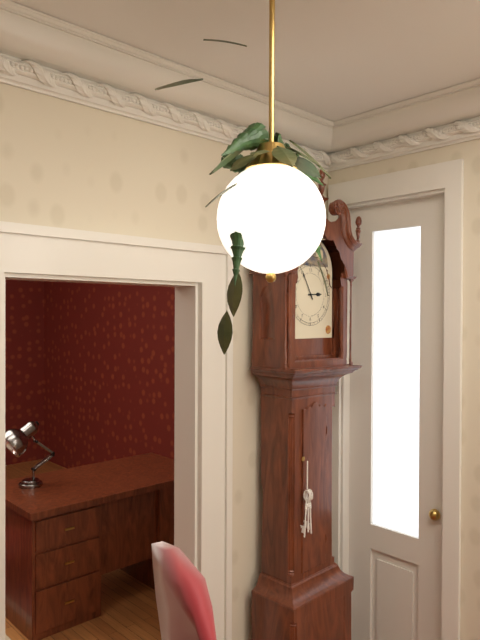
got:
2:55
